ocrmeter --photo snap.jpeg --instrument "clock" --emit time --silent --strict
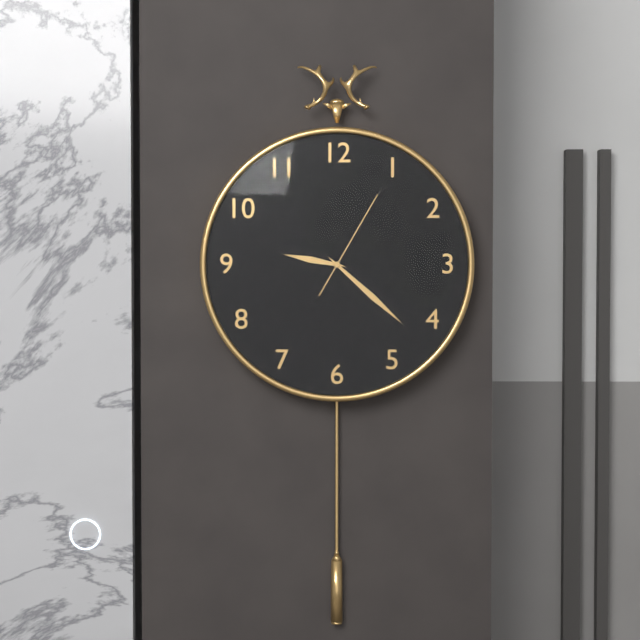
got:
9:22:05
